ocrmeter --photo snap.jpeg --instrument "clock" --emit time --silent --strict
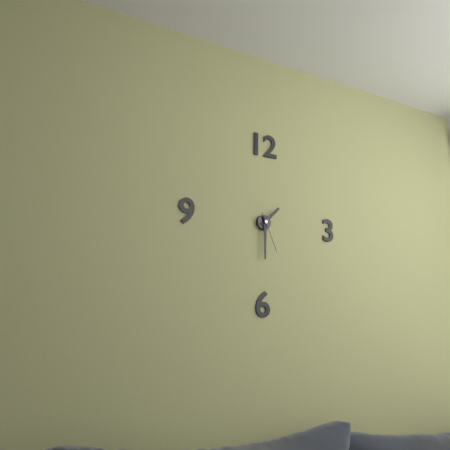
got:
1:30
